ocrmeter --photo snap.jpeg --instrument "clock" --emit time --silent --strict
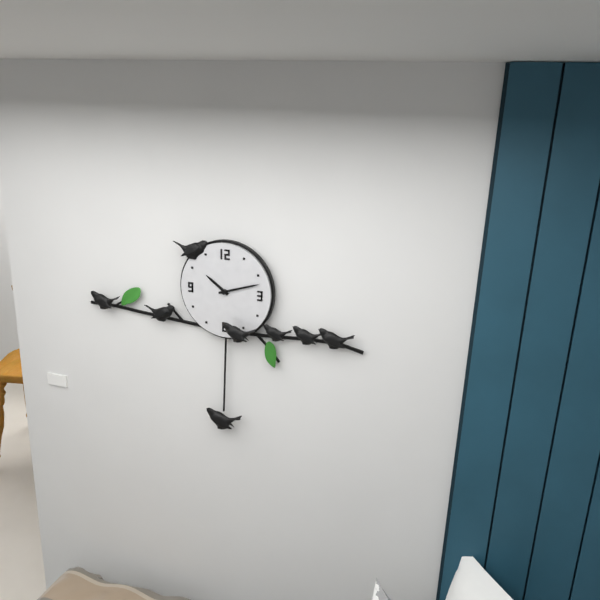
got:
10:12
